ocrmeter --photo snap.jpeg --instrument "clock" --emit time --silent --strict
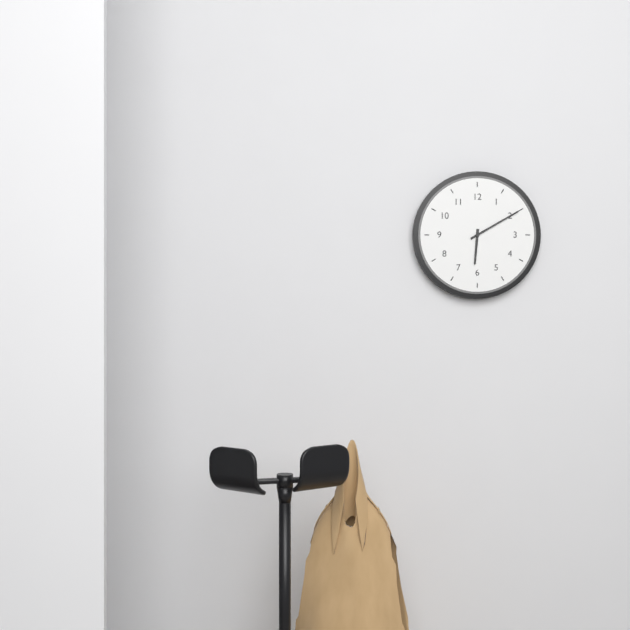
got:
6:10
